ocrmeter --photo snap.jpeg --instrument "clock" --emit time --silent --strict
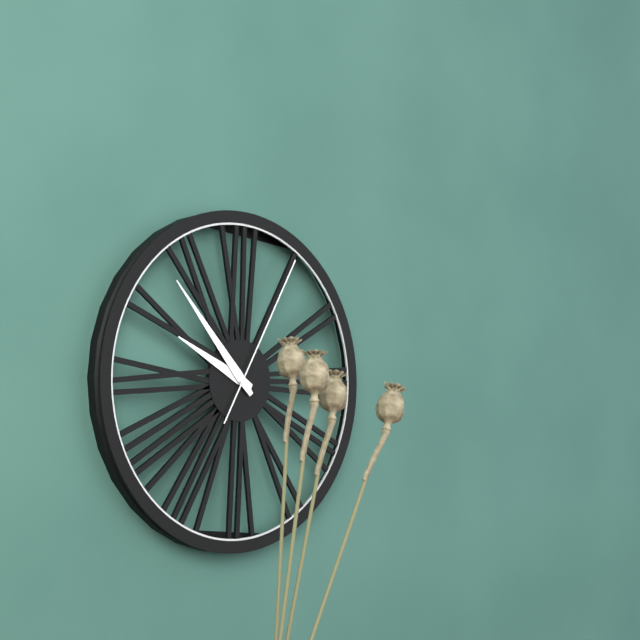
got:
9:53:05
